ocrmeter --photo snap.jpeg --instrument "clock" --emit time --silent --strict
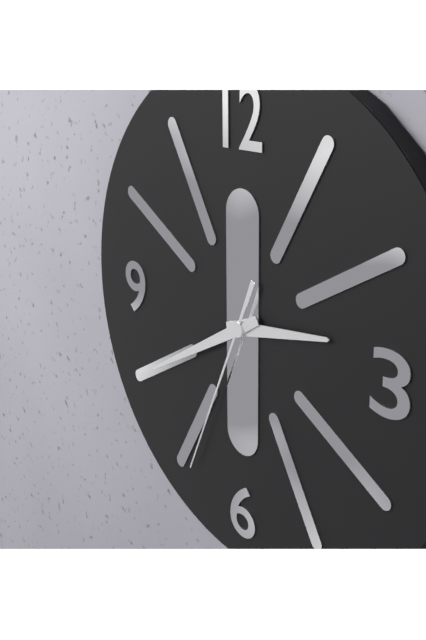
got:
2:40:34
